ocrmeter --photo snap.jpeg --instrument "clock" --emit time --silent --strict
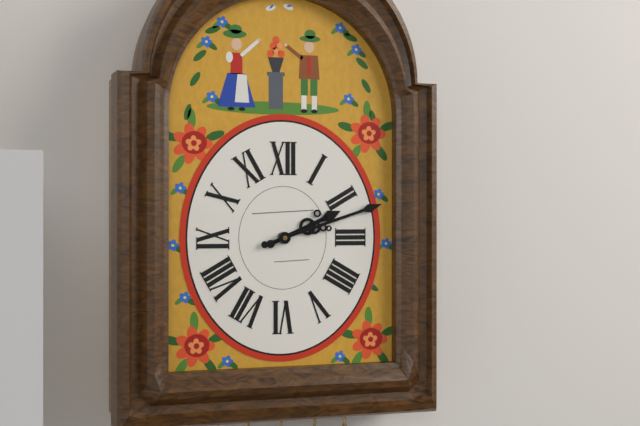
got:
2:12
